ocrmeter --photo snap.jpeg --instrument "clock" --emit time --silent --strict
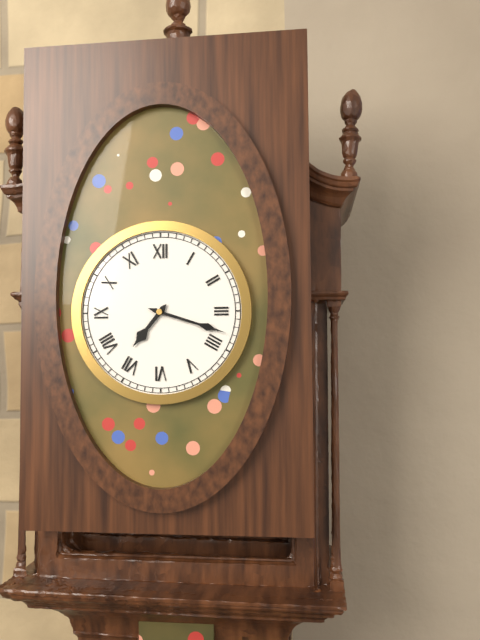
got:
7:18
